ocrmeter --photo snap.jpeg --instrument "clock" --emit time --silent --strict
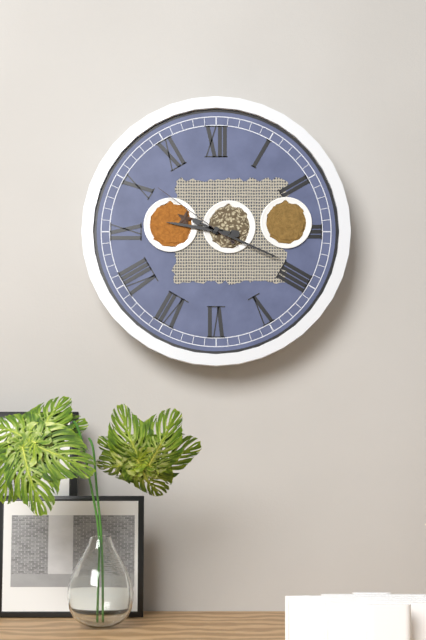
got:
9:19:51
